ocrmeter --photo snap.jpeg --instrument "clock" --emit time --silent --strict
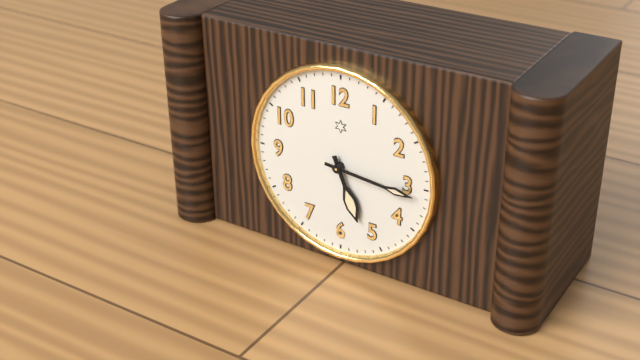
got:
5:16
